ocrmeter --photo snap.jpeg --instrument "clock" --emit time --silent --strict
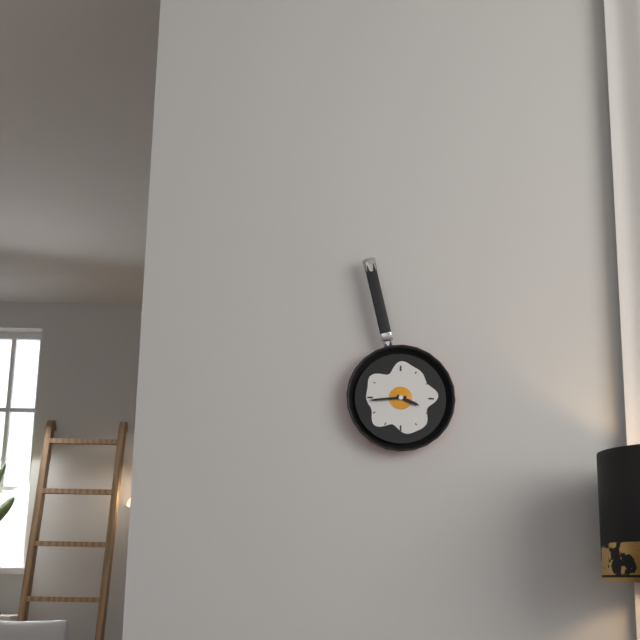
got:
3:44
